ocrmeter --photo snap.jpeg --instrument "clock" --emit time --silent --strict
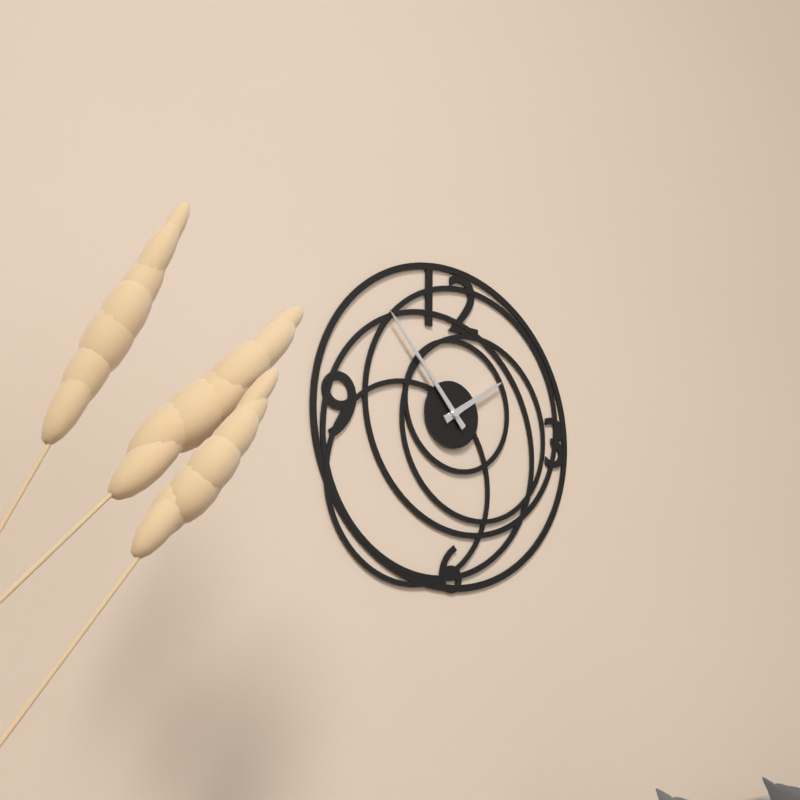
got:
1:53
